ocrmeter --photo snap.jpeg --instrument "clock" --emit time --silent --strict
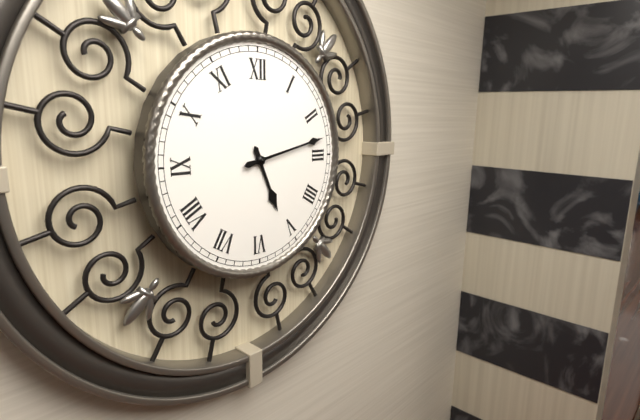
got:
5:13
